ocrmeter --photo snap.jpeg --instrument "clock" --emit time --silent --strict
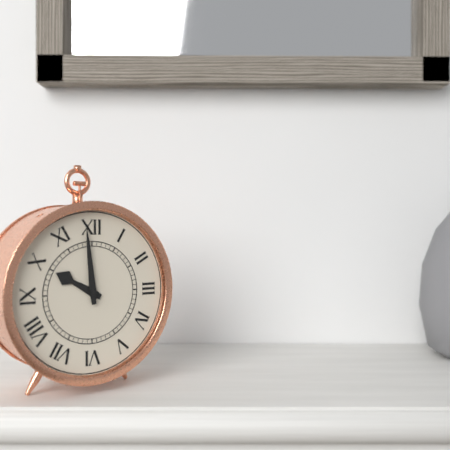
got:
9:59
